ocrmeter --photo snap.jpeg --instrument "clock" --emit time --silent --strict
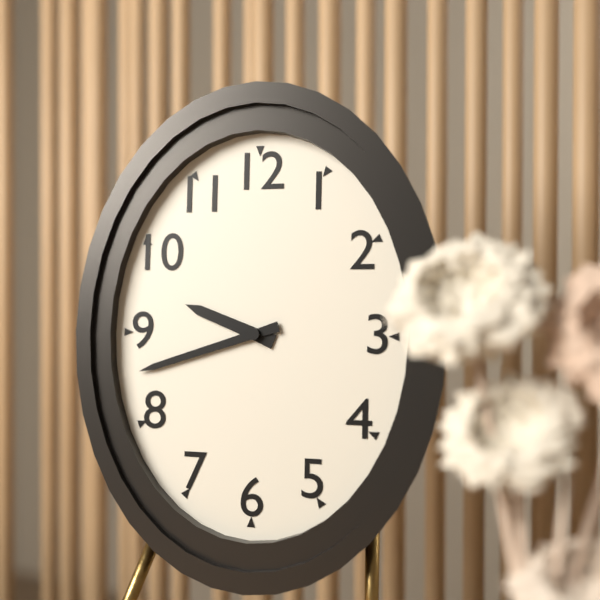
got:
9:42
